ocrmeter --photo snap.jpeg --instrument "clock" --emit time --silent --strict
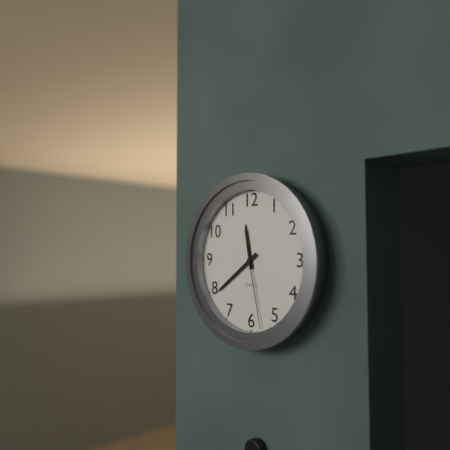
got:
11:39:28
